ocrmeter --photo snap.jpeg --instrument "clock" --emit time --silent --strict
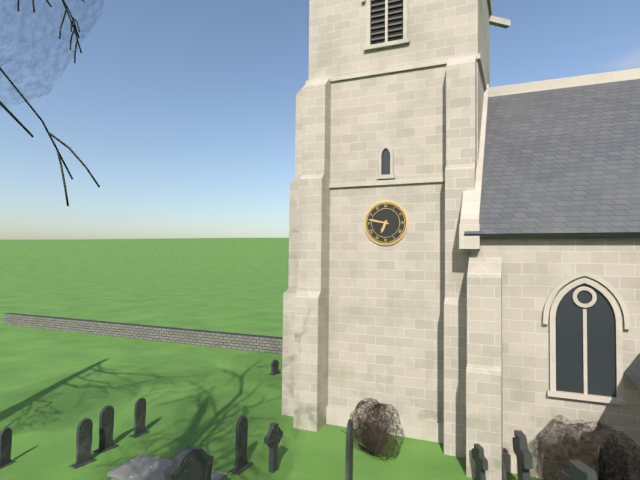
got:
6:47
